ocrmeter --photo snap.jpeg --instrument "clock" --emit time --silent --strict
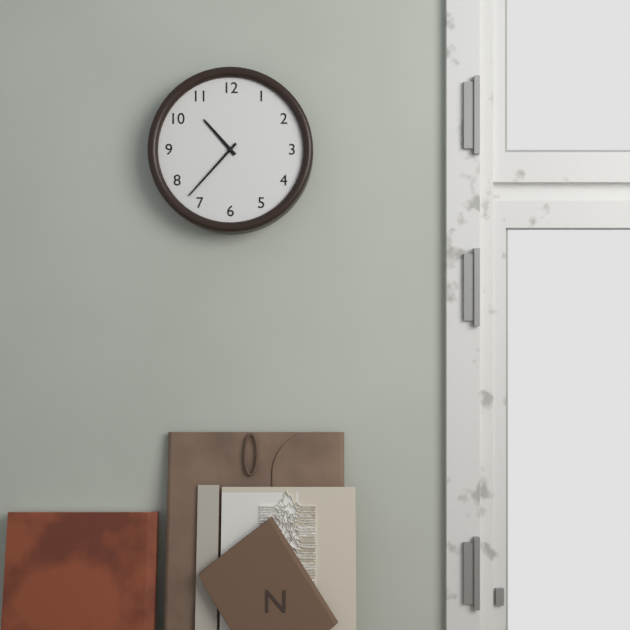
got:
10:37
